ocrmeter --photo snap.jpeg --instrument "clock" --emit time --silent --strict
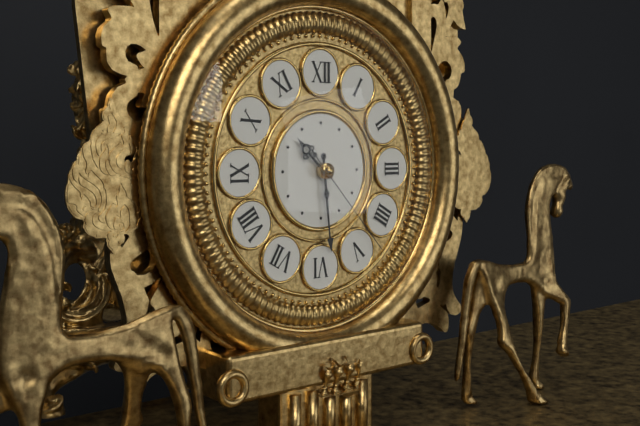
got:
10:29:23
